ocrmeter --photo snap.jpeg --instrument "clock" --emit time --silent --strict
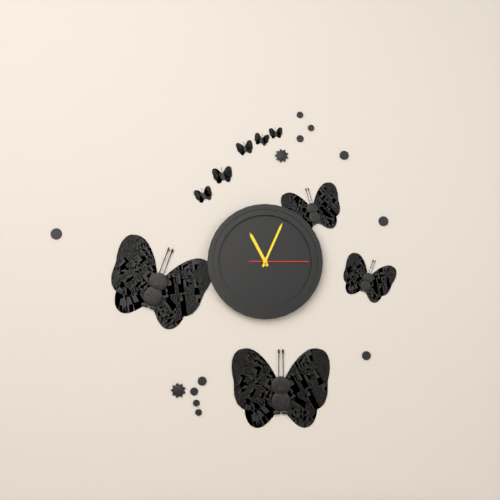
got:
11:04:15
